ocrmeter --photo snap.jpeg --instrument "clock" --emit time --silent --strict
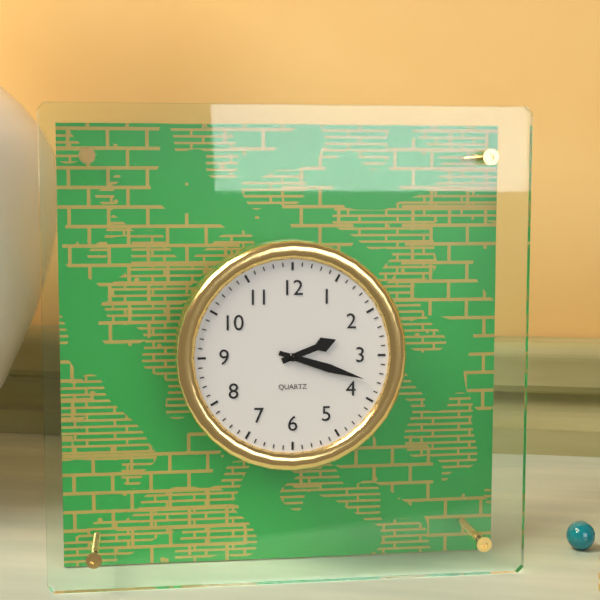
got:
2:18
